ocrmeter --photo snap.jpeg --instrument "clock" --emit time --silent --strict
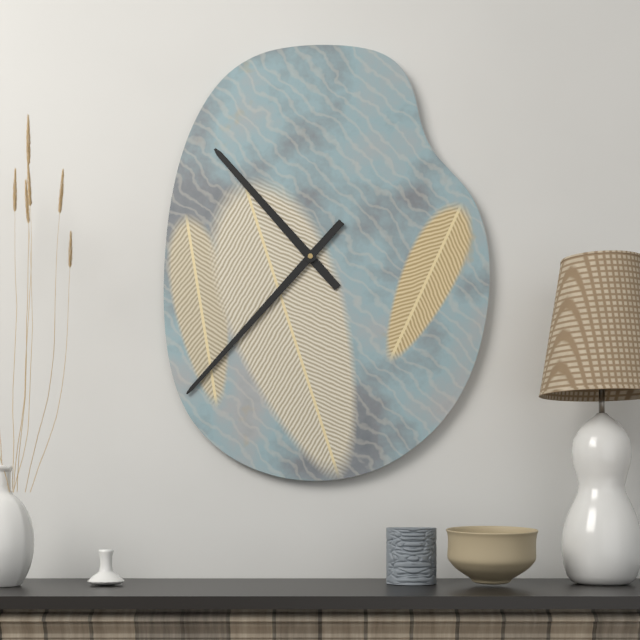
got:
10:37
